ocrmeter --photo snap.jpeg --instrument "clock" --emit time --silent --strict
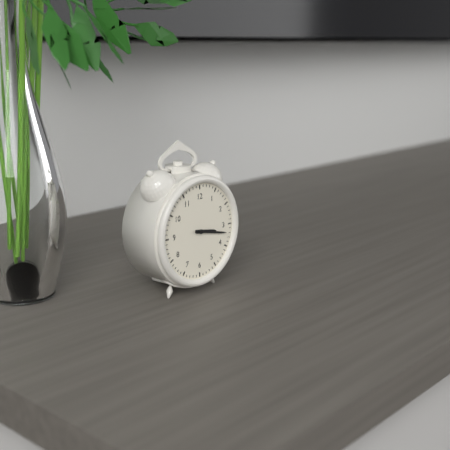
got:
3:17
